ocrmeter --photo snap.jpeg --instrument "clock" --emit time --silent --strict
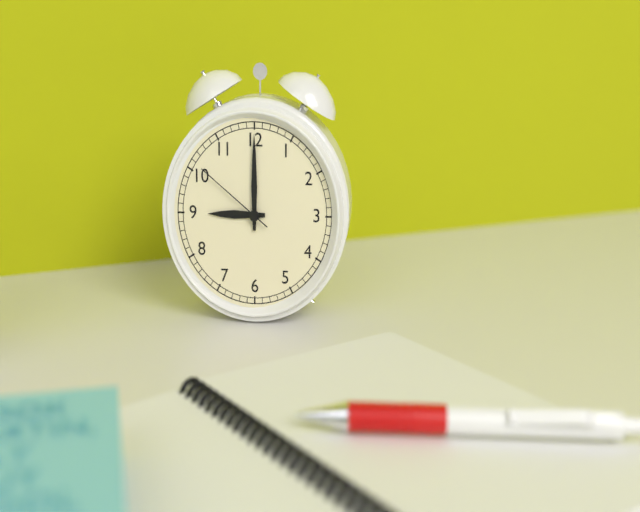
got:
9:00:51
